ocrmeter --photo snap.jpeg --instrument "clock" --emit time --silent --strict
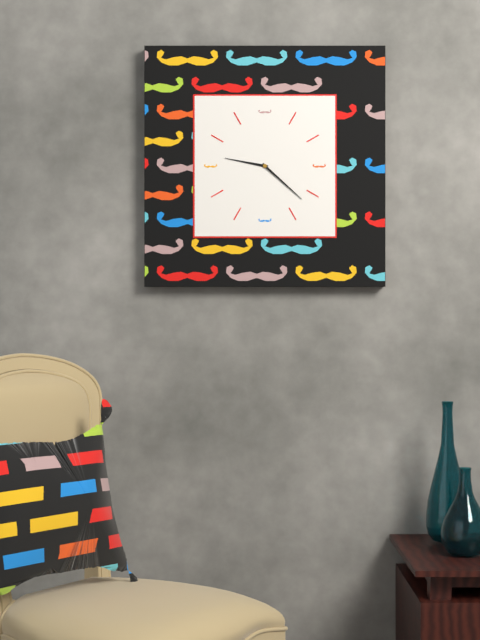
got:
9:22
